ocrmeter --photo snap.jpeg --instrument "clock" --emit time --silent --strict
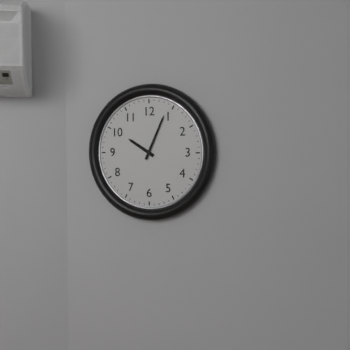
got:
10:04
